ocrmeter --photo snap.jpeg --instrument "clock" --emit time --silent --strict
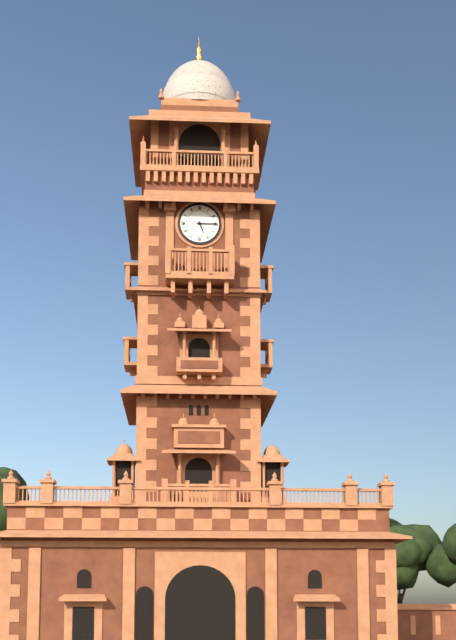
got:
5:15
